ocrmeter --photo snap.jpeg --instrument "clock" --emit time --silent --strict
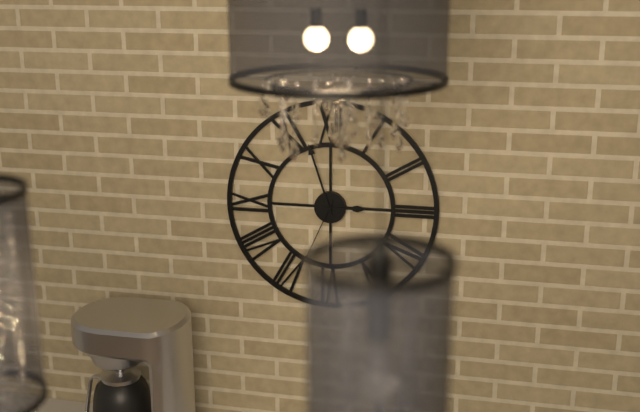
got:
2:57:34
